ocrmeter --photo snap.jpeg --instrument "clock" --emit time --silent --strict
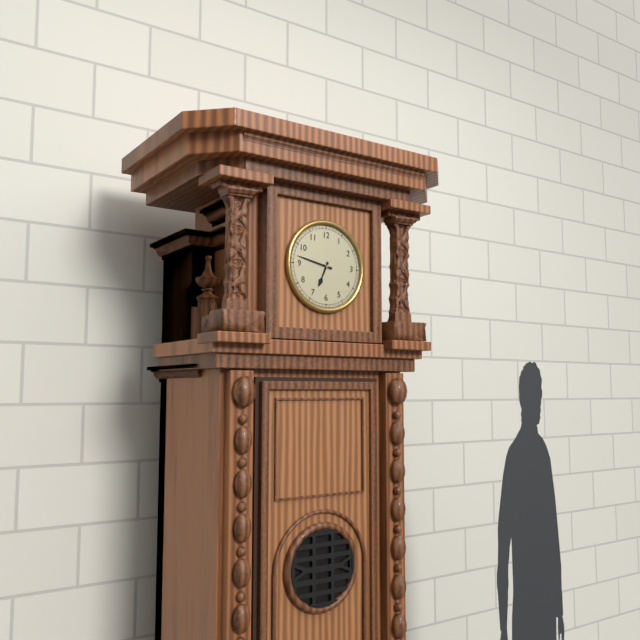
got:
6:47
